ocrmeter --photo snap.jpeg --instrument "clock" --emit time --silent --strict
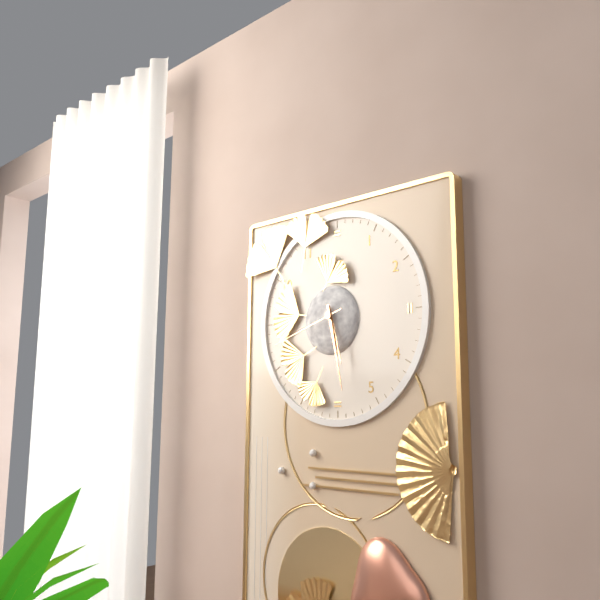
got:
5:28:42
